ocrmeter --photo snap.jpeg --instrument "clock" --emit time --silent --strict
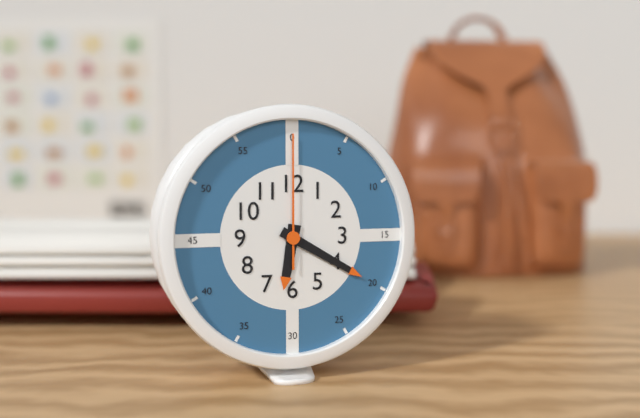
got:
6:20:00
